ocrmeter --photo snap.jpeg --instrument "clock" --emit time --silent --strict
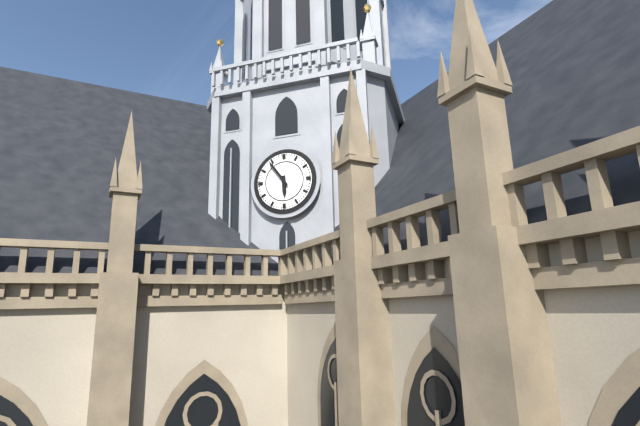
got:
5:54
